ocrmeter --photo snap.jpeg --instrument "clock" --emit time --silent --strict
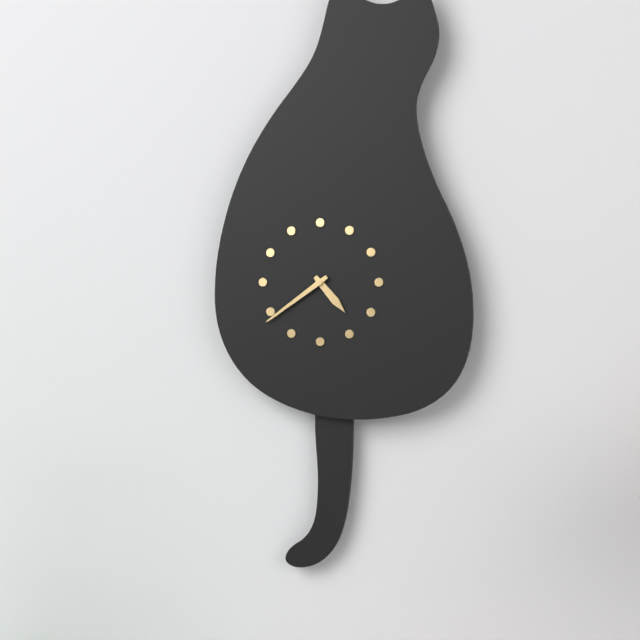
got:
4:39
